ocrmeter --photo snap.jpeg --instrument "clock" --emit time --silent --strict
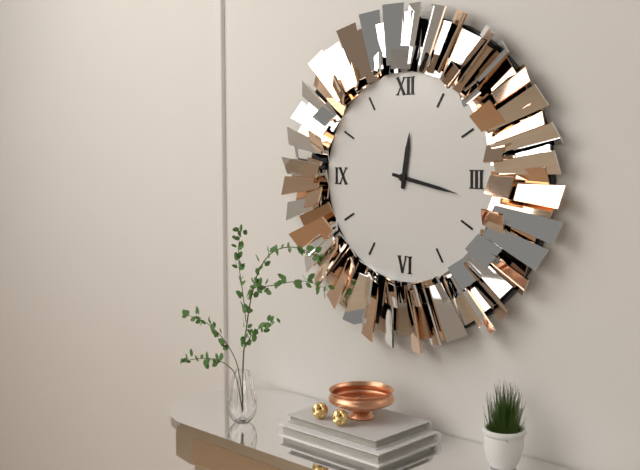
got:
12:17
